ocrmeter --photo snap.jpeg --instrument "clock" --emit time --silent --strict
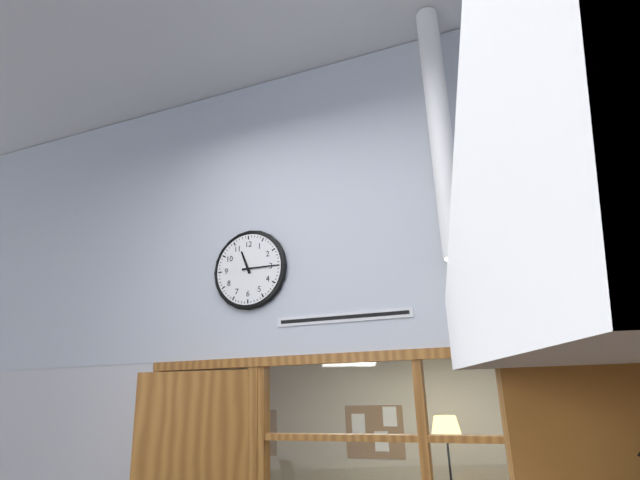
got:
11:15
